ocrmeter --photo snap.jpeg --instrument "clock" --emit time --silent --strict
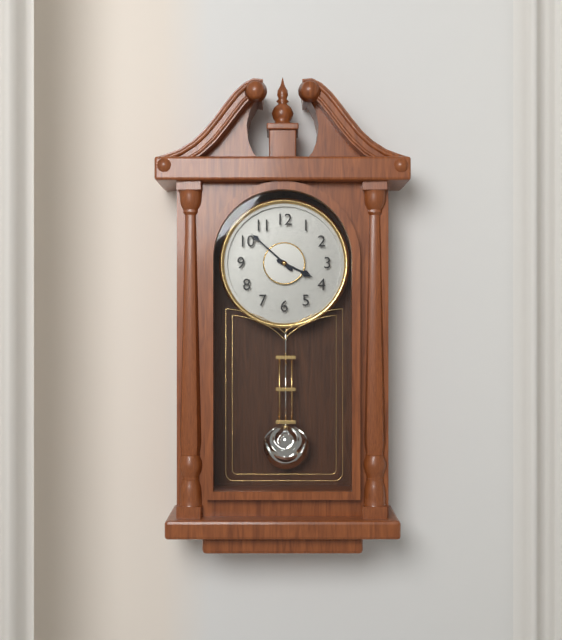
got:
3:52
